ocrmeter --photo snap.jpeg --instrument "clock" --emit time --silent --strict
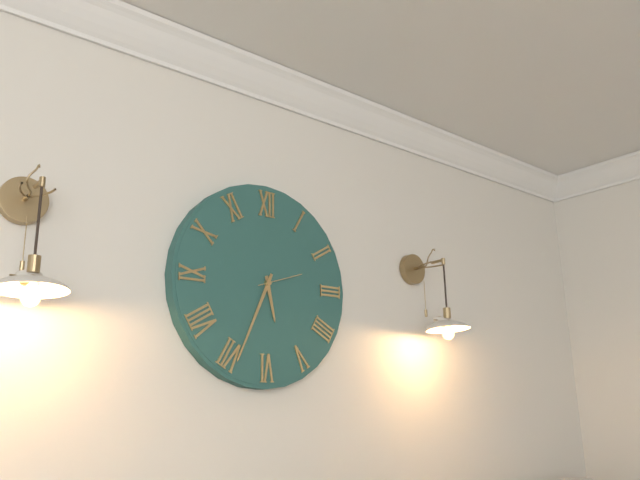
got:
5:34:12
